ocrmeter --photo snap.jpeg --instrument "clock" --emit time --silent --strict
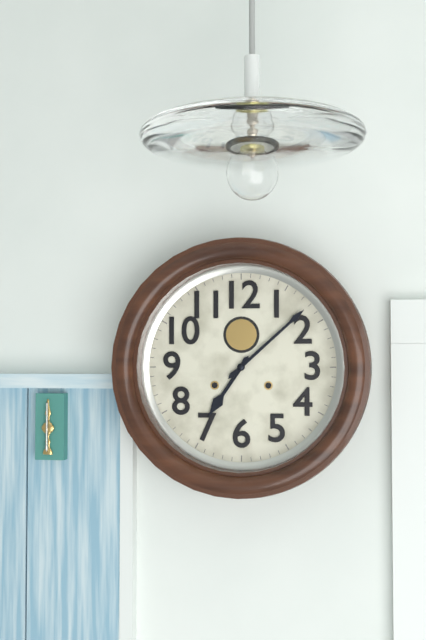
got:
7:08
